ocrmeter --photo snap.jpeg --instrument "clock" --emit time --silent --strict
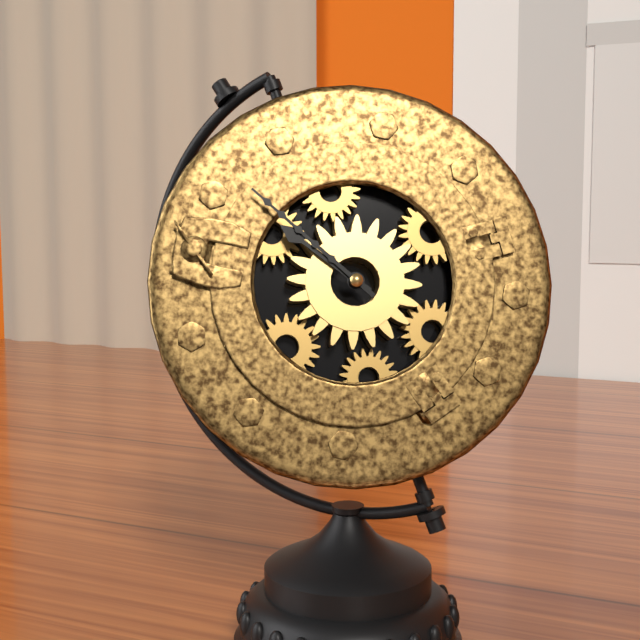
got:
9:50
